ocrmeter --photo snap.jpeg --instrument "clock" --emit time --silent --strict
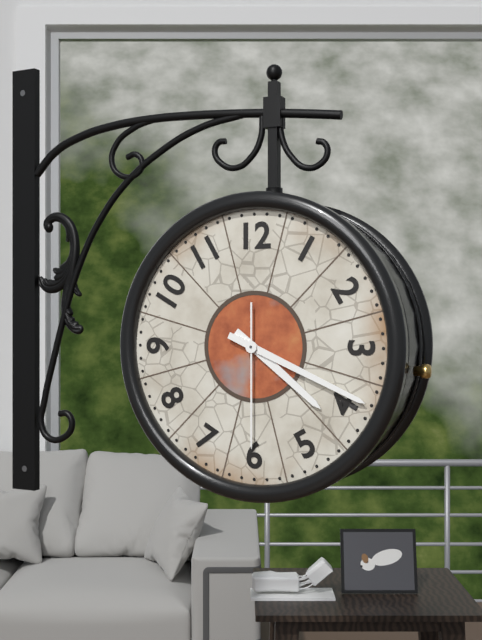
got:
4:19:30
